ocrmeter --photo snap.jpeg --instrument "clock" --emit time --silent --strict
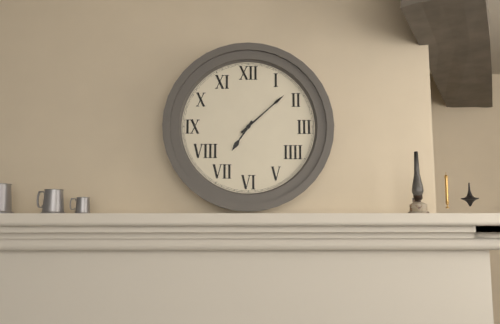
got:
7:08
